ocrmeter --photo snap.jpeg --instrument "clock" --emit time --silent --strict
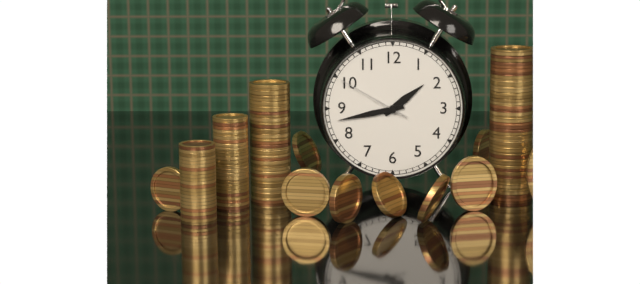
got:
1:43:50
